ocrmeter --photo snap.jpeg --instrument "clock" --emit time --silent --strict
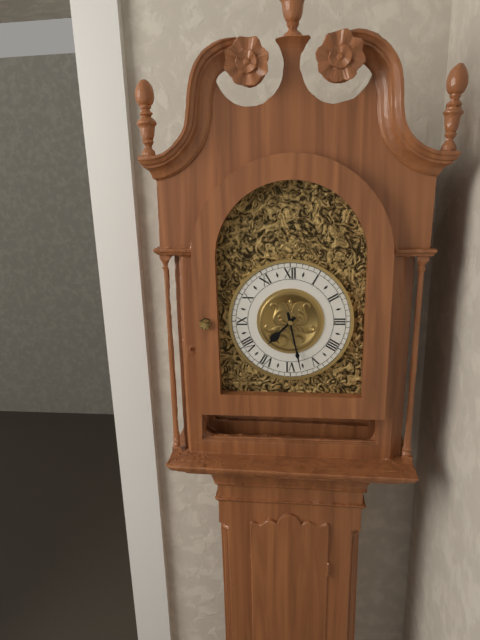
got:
7:28
